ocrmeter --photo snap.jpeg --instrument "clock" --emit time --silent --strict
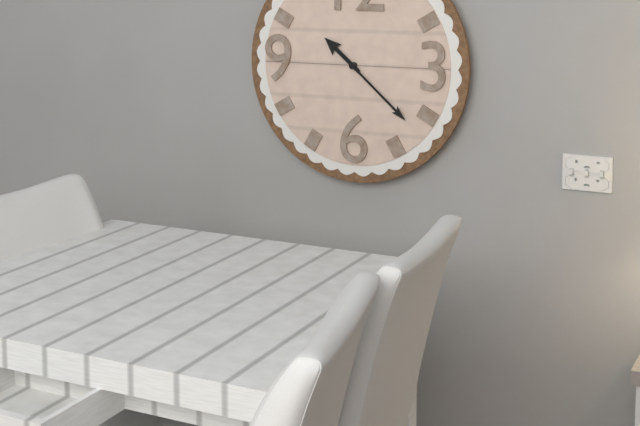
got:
10:22
